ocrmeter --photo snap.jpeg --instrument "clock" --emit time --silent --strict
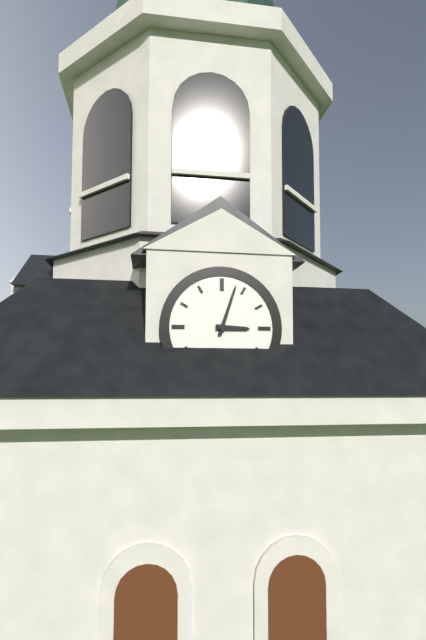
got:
3:03
